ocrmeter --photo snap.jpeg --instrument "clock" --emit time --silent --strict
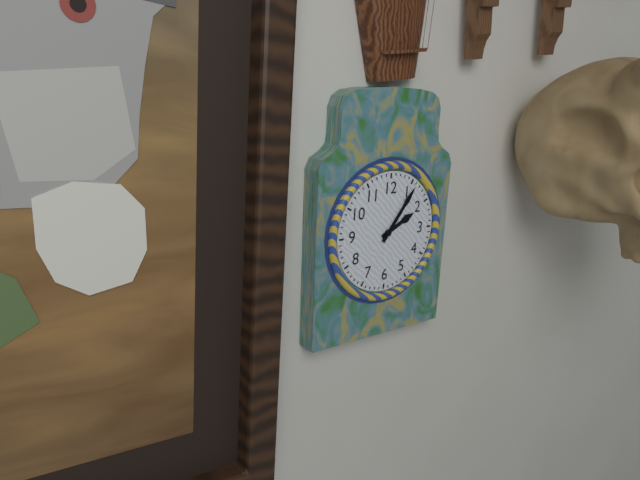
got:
2:06
